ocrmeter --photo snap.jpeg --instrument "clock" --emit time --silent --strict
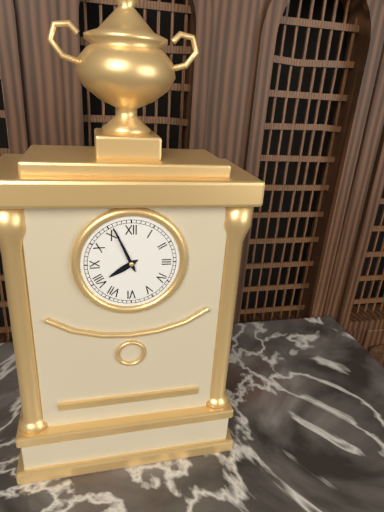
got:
7:56
